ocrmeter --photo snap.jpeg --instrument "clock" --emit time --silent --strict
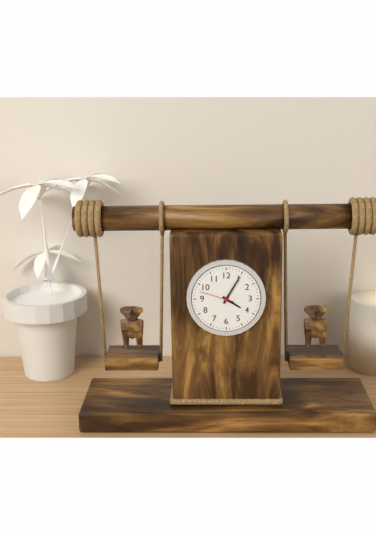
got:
4:05
